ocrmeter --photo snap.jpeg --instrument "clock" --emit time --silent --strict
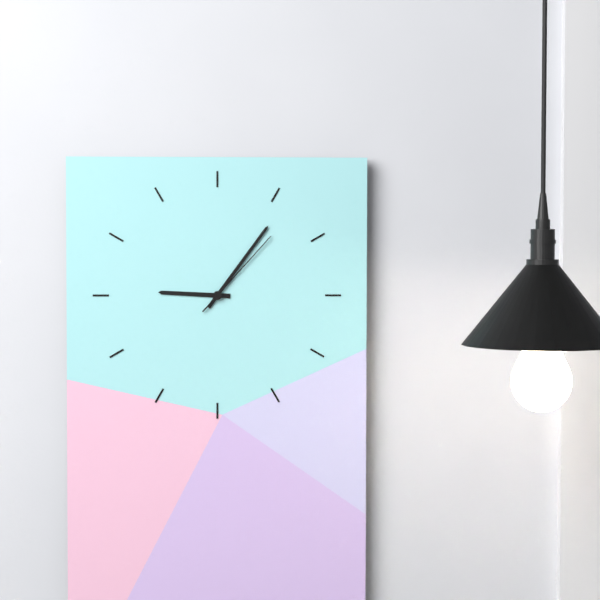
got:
9:06:07
